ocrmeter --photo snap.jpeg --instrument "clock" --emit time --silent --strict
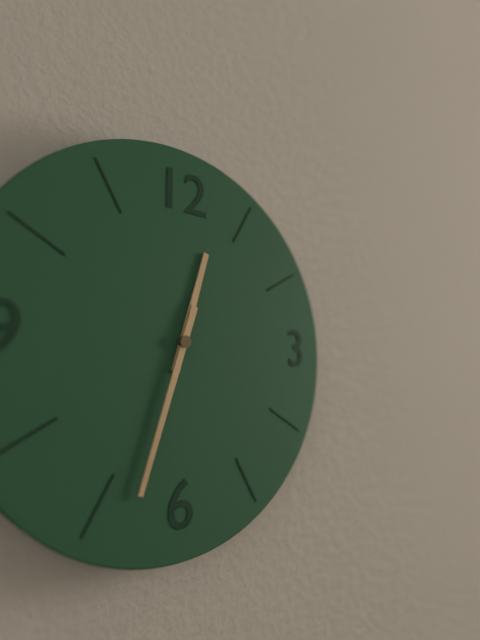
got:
12:33
